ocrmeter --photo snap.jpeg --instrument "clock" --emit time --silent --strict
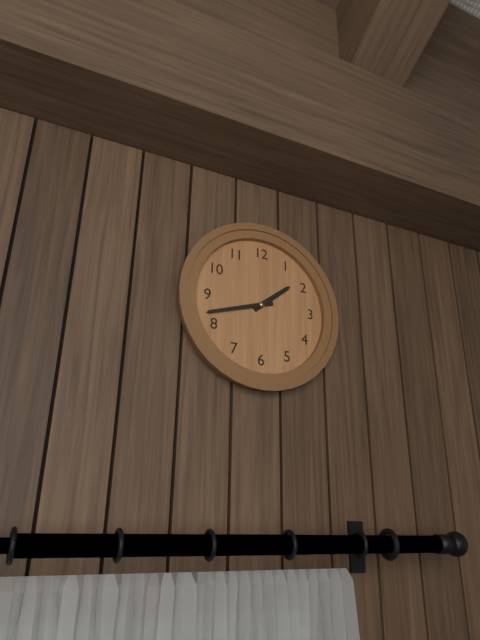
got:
1:42
